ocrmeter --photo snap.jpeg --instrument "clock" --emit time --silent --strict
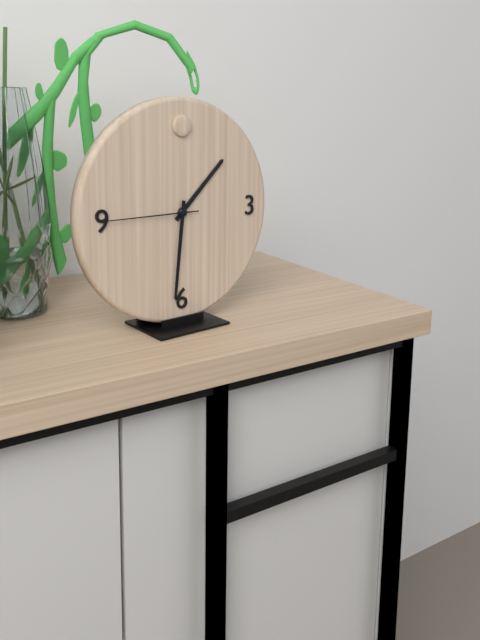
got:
1:31:45
